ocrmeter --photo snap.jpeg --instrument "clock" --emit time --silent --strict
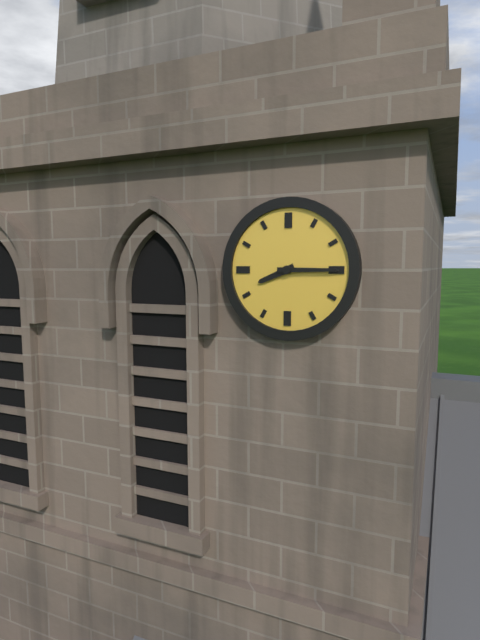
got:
8:15
